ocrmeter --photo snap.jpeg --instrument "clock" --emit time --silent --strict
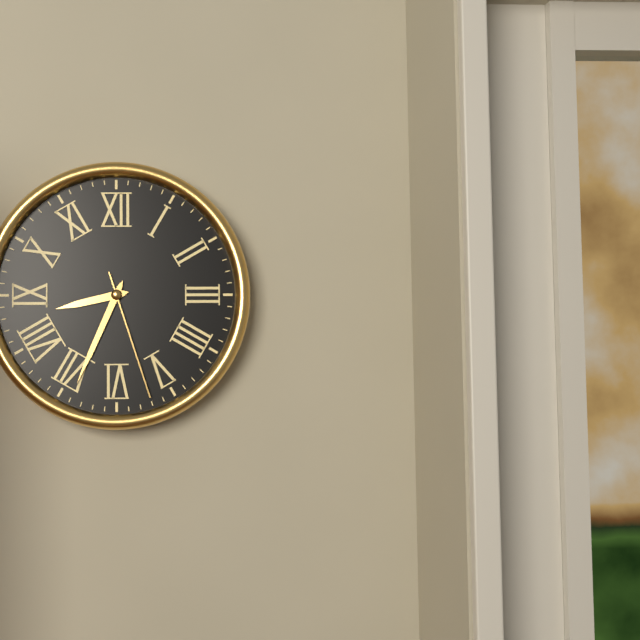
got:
8:34:27
